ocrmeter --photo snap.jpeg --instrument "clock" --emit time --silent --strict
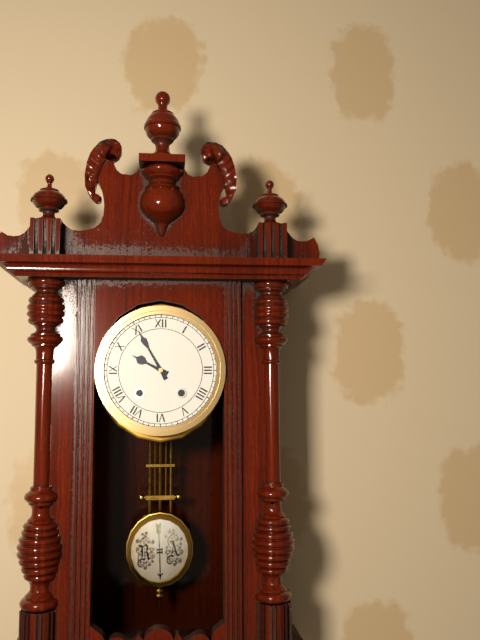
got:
9:55
